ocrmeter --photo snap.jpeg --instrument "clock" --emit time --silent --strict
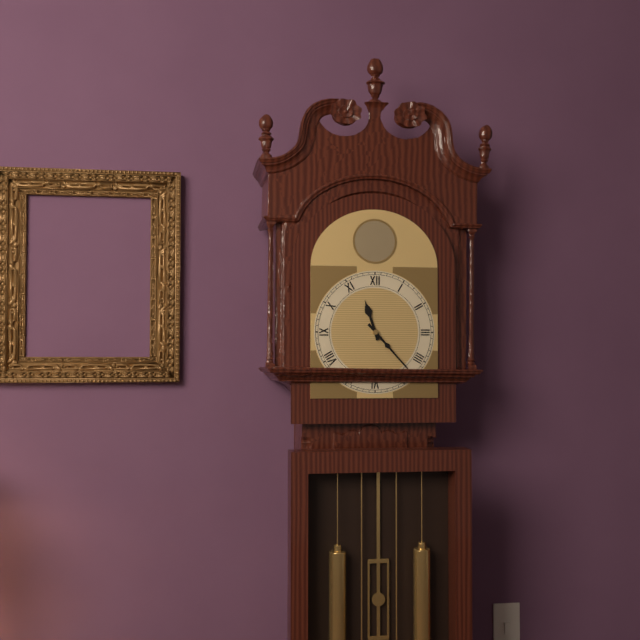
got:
11:23
